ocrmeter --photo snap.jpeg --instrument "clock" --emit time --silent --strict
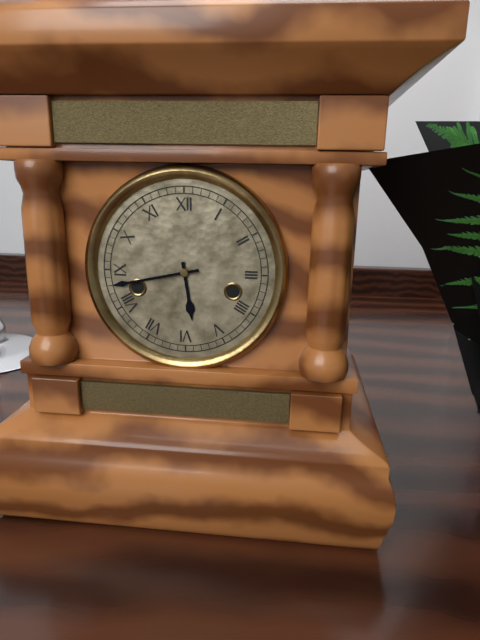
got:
5:43
